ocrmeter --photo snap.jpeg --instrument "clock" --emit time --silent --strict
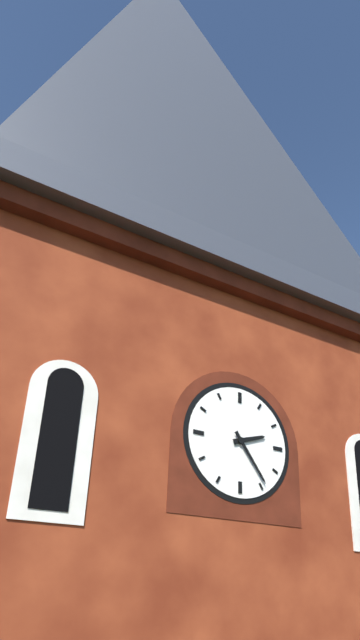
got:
2:24
